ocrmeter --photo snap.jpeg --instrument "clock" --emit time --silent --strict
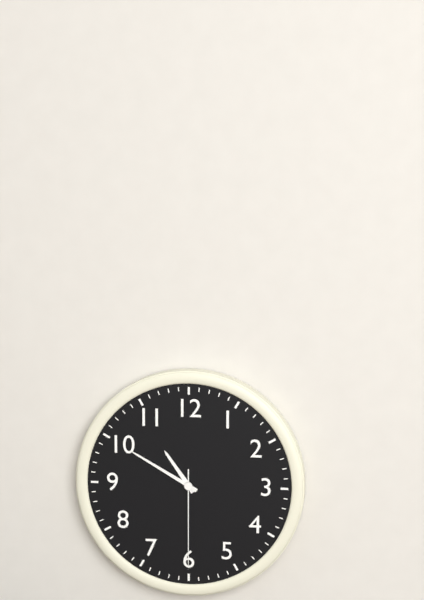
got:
10:50:30
